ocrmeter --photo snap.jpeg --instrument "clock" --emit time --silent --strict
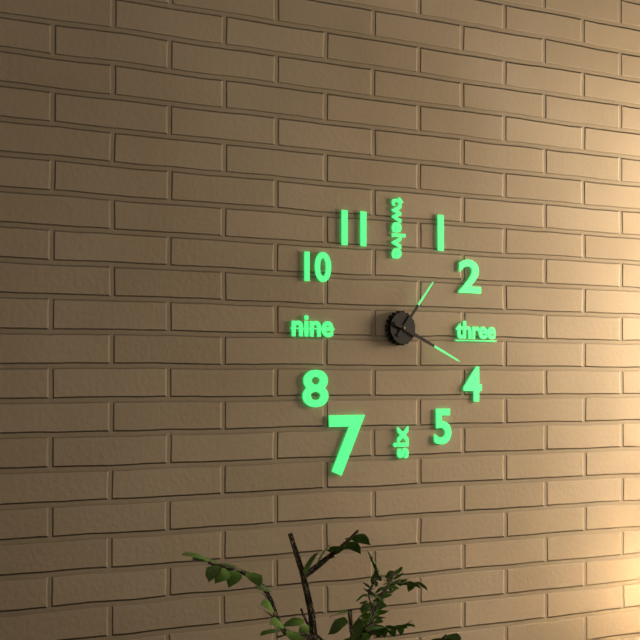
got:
1:19
